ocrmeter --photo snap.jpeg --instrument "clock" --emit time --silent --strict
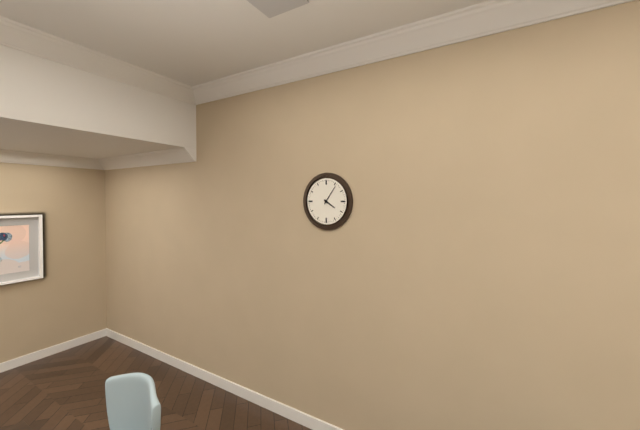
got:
4:06
